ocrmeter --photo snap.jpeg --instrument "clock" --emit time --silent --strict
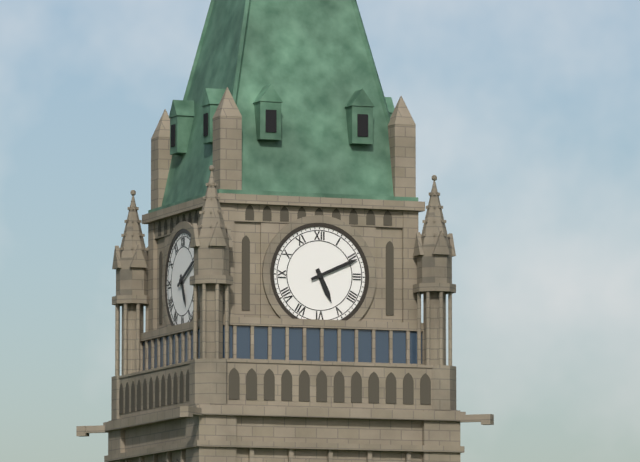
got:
5:11
